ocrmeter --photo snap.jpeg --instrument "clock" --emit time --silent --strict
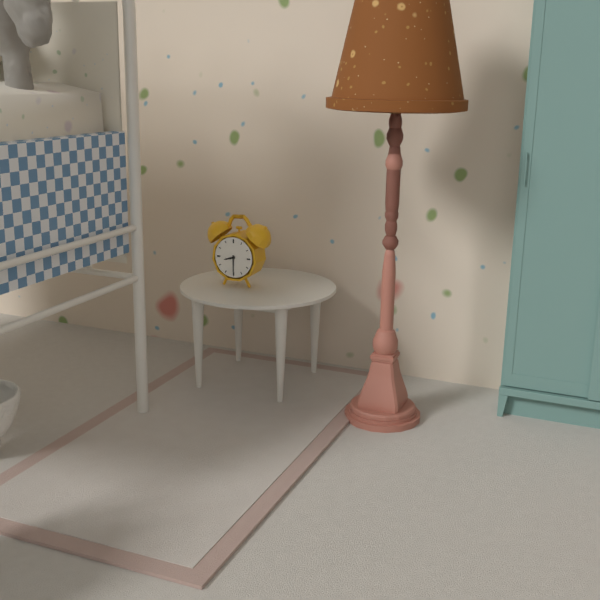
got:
8:30
